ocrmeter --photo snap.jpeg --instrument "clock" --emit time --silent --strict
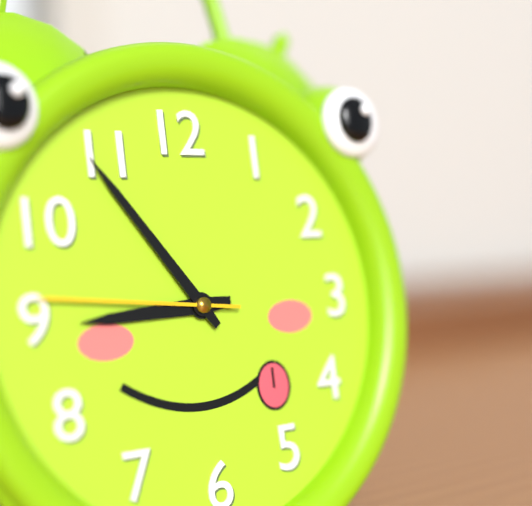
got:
8:54:46
